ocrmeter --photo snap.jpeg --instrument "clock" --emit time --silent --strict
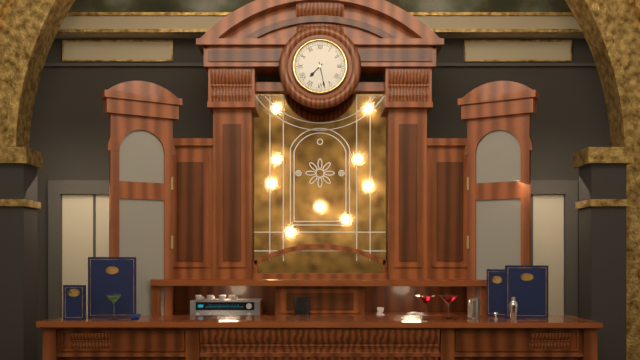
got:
7:28
